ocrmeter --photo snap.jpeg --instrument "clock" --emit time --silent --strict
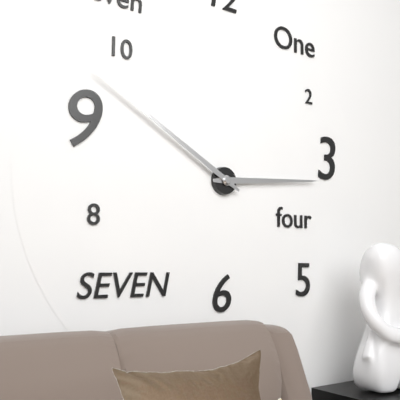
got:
2:50
